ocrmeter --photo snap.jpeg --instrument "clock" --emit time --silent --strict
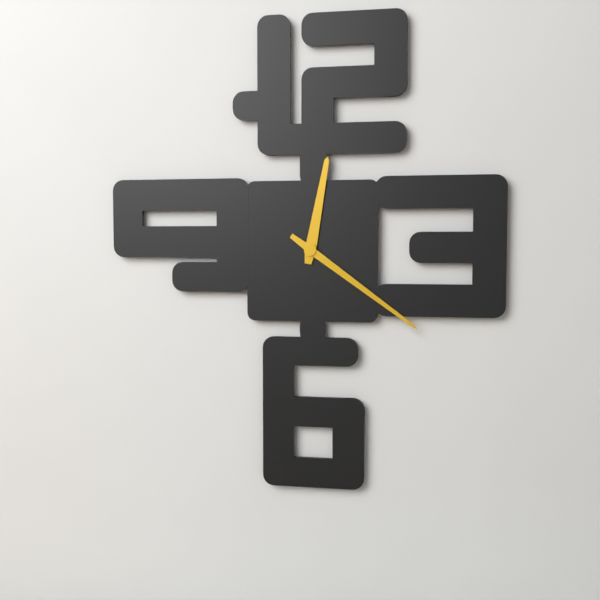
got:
12:21
